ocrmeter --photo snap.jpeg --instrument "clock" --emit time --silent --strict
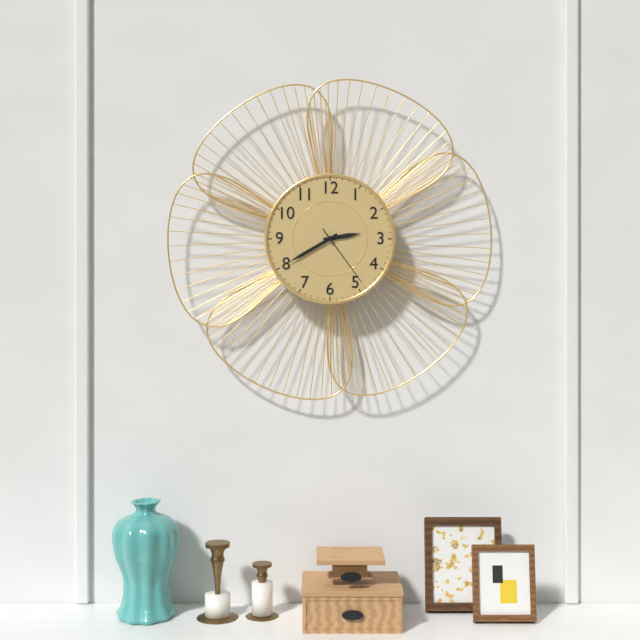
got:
2:40:24
